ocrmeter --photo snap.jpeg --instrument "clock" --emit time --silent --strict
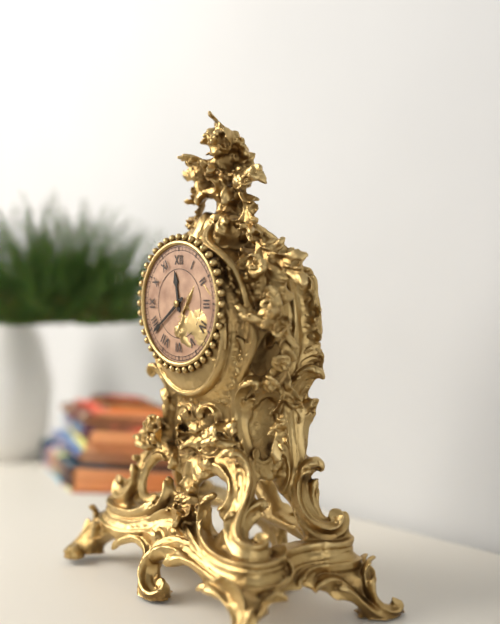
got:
11:39
